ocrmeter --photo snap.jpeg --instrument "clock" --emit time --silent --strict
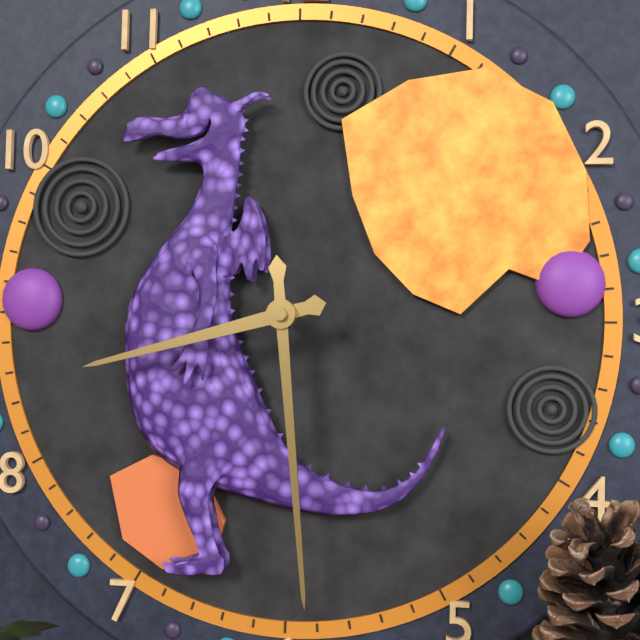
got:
8:29
